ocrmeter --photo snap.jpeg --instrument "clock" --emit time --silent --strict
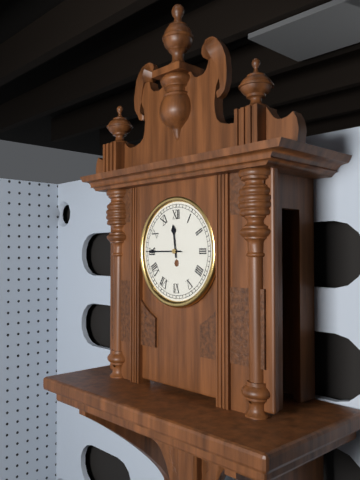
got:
11:45
